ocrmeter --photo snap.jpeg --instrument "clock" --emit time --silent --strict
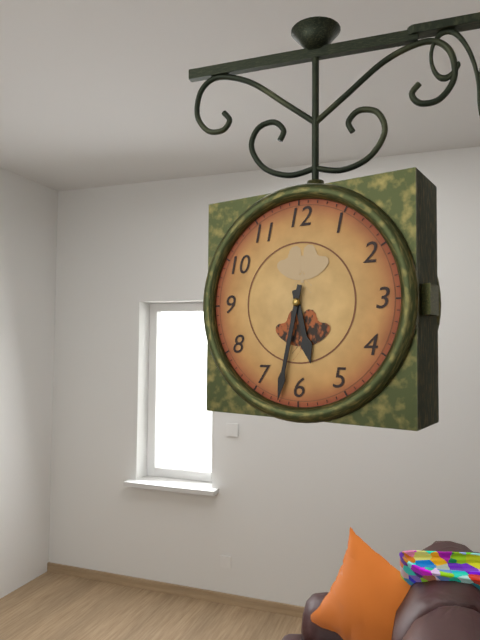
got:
5:32
